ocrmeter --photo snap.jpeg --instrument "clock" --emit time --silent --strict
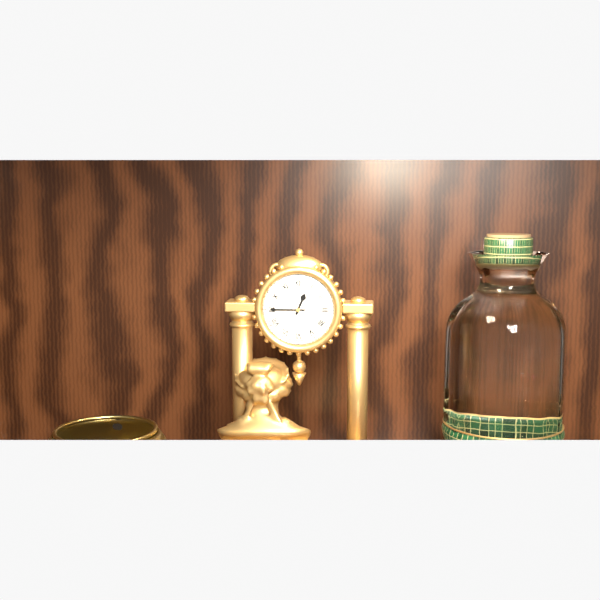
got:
12:45
